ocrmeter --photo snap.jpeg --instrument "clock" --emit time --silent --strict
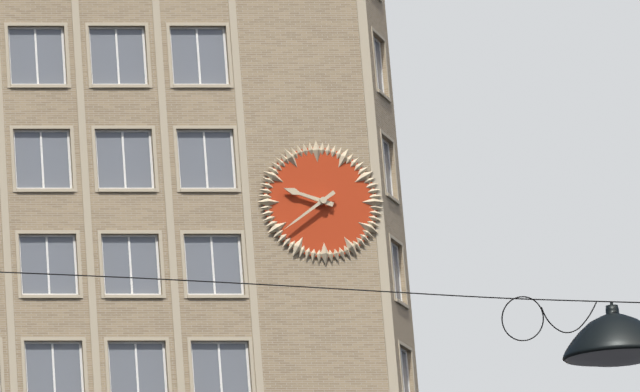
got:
9:39
